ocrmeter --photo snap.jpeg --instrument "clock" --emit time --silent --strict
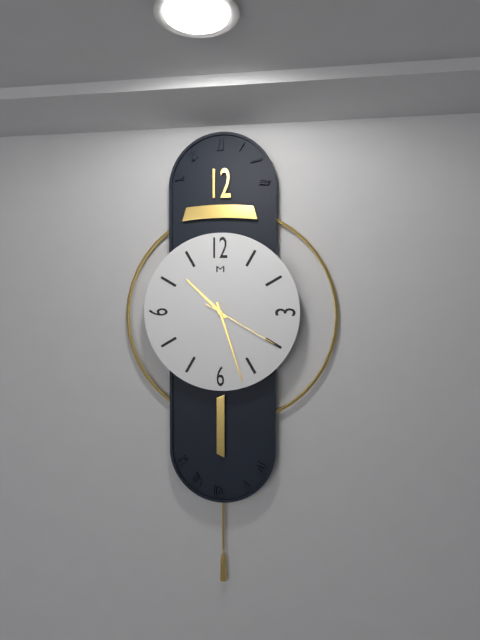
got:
10:27:20
